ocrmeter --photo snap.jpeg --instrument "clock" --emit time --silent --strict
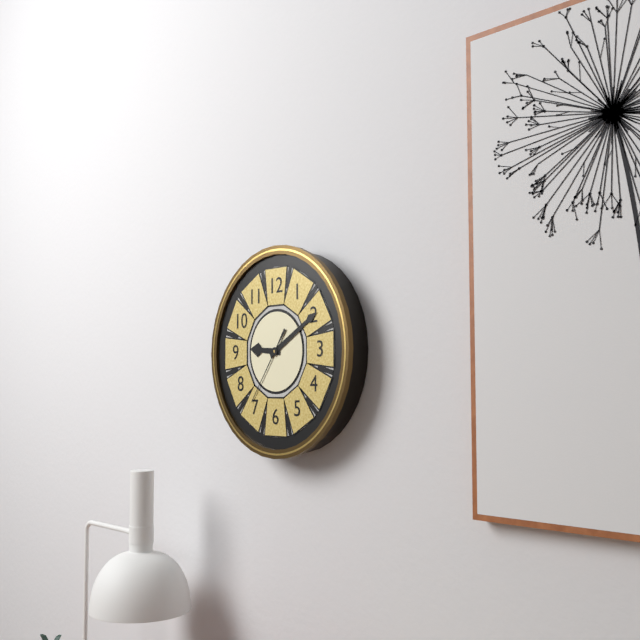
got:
9:10:36
